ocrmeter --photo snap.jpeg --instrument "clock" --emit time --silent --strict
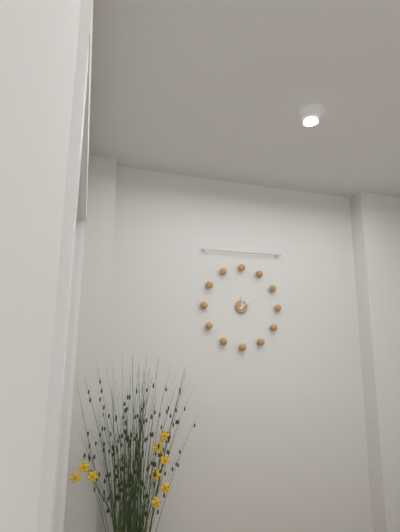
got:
12:09
